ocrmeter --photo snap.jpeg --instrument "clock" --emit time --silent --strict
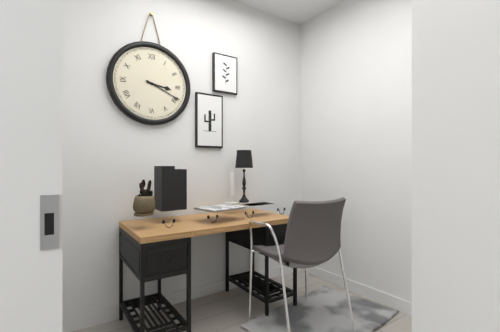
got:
3:19
